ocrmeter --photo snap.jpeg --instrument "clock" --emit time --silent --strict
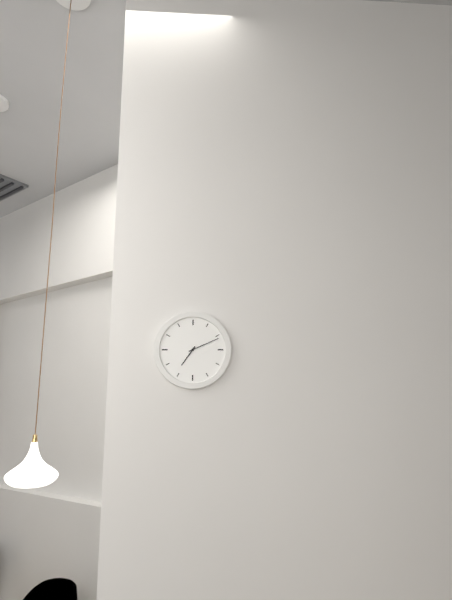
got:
7:11
